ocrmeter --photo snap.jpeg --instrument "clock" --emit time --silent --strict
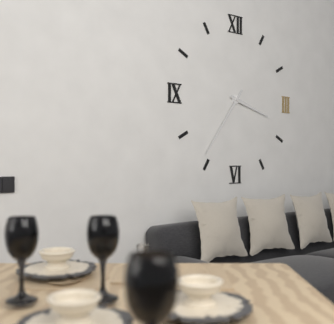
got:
3:36
